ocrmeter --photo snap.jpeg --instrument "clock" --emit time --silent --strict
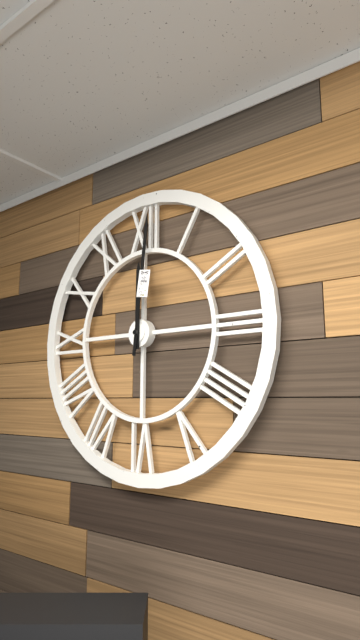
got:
12:01
